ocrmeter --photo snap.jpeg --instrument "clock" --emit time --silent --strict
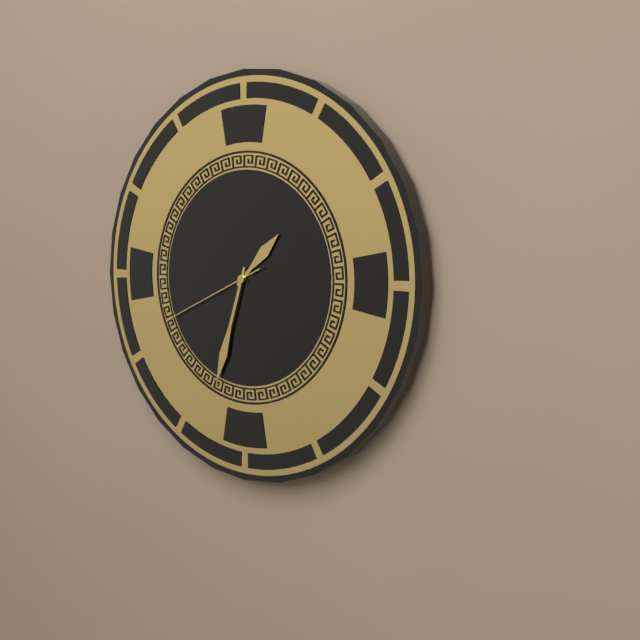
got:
1:33:41
